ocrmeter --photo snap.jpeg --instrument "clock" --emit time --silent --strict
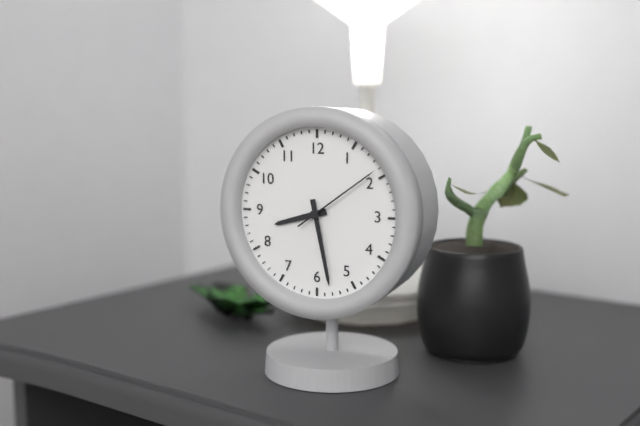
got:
8:28:09
